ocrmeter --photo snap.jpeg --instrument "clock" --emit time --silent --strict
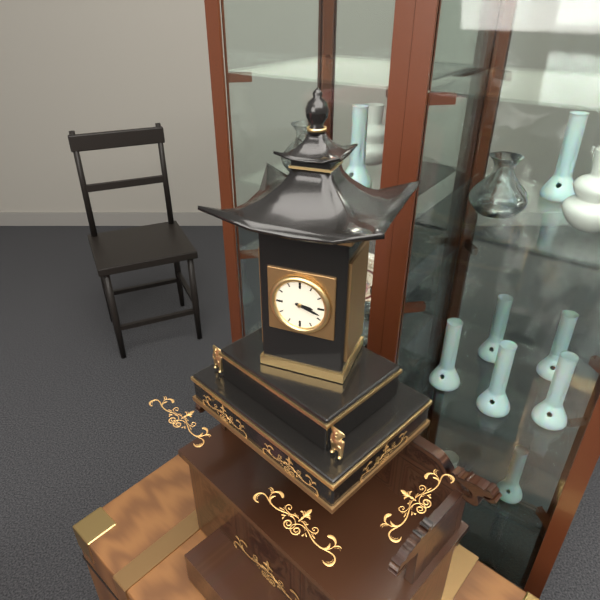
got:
3:18
